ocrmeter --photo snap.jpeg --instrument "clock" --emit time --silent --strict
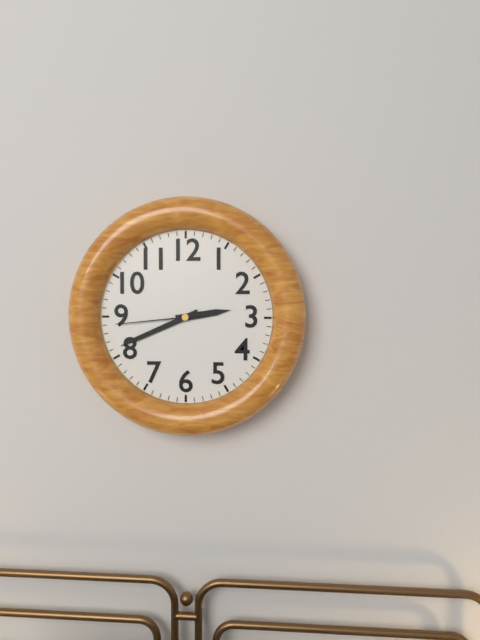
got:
2:41:44
